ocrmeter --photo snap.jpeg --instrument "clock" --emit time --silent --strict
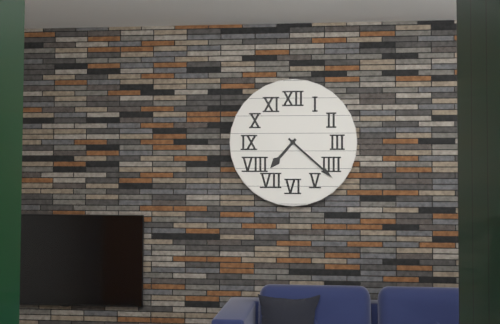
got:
7:22
